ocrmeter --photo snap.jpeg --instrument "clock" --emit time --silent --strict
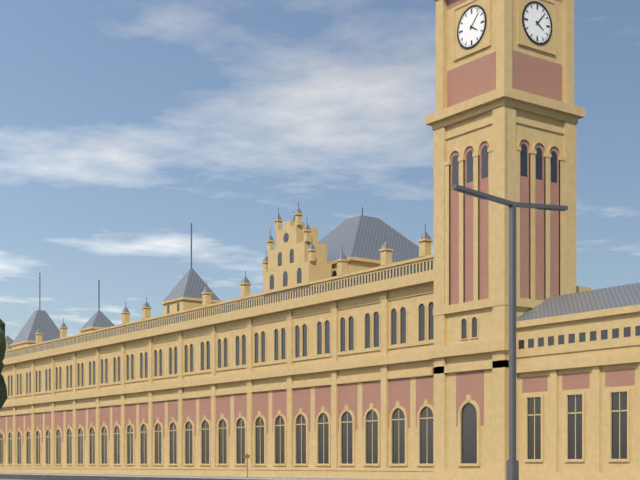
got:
4:07
